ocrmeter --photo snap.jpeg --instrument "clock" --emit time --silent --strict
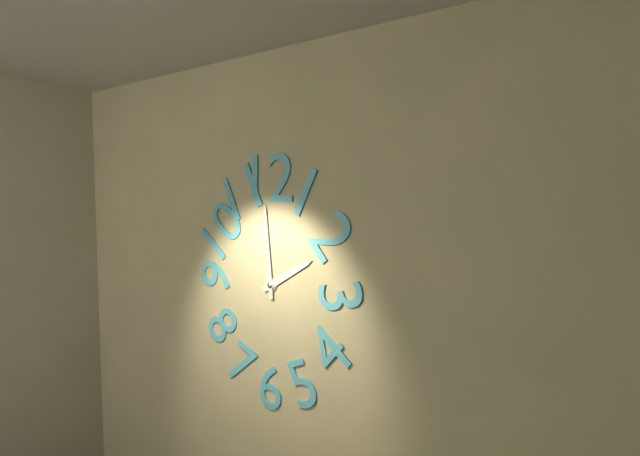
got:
1:59
